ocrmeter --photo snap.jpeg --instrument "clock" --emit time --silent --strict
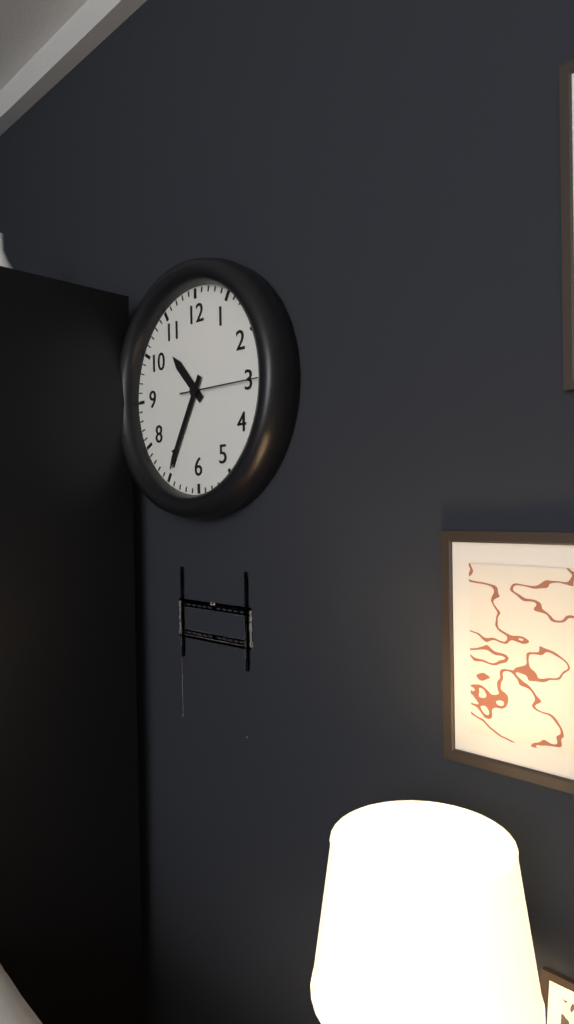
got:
10:35:15
